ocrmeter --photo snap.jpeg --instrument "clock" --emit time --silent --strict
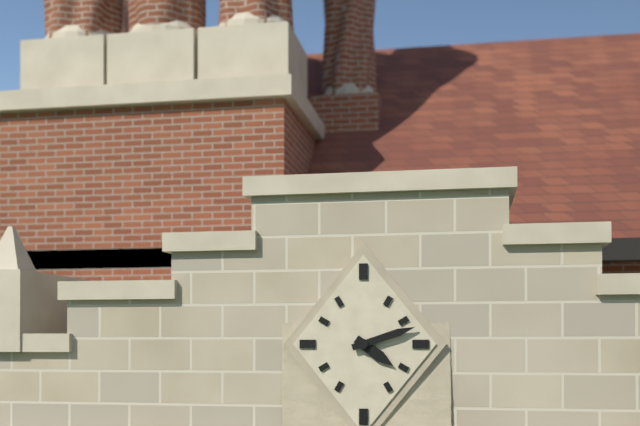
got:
4:12
